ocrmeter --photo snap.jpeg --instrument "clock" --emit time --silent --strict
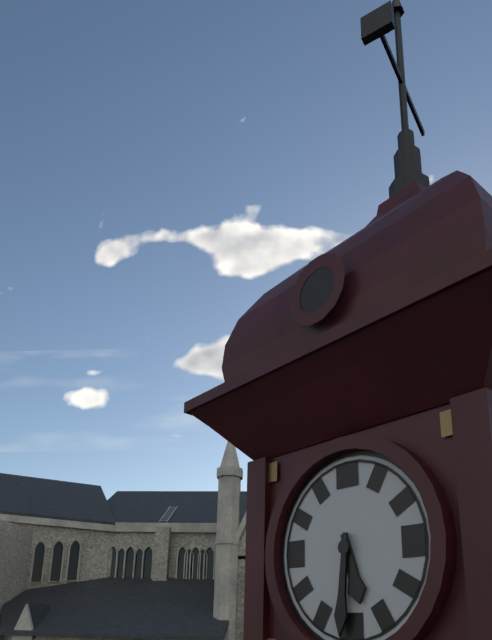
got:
5:31
